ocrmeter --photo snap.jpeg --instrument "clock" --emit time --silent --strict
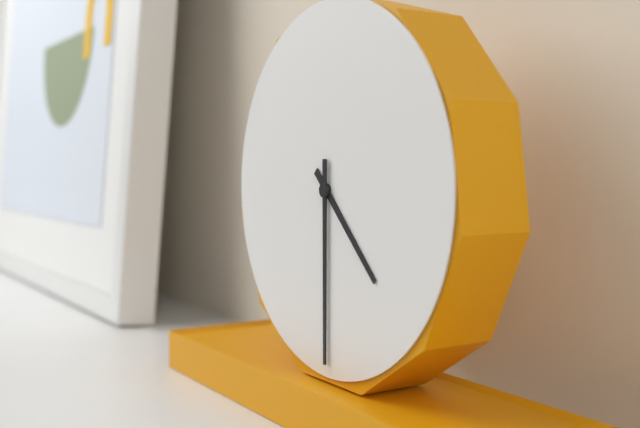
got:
4:30
